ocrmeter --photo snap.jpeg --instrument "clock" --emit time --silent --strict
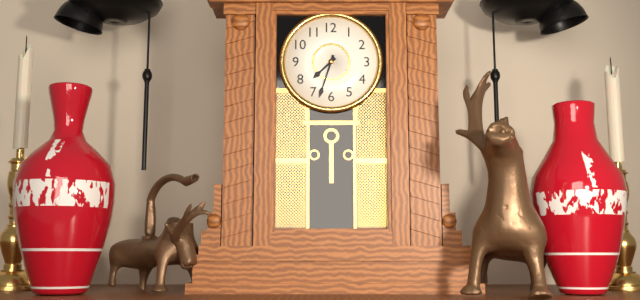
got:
7:33
